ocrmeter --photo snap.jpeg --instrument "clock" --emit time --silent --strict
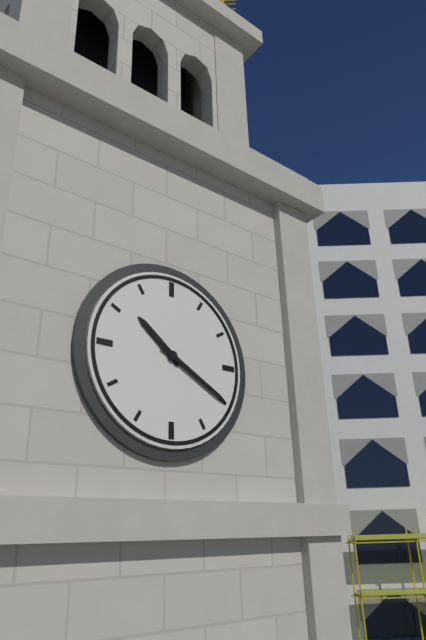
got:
10:20
